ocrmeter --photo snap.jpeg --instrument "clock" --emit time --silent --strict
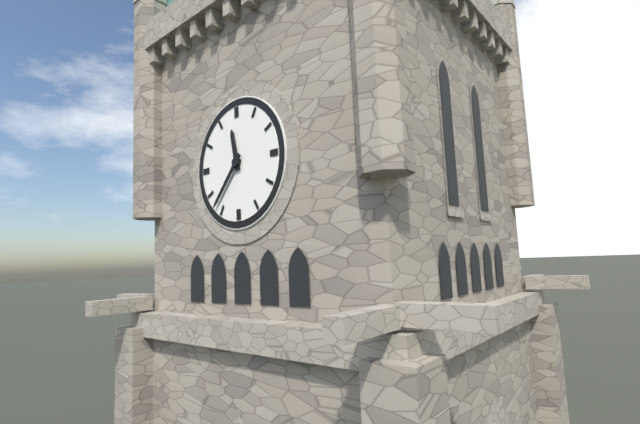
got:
11:37
